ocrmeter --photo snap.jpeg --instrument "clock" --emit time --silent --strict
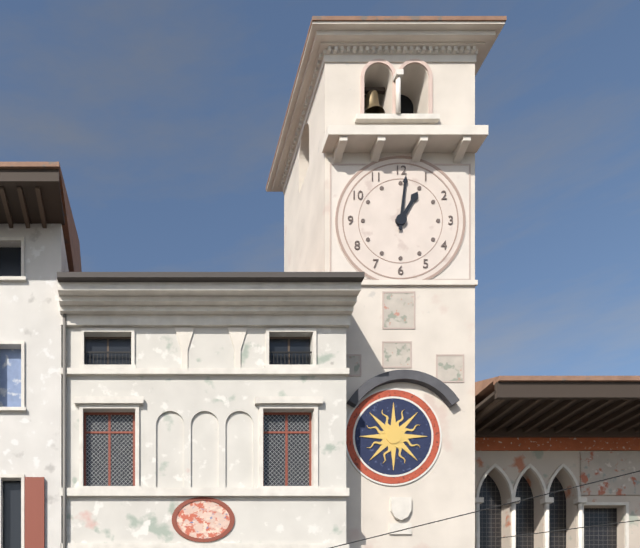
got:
1:01
